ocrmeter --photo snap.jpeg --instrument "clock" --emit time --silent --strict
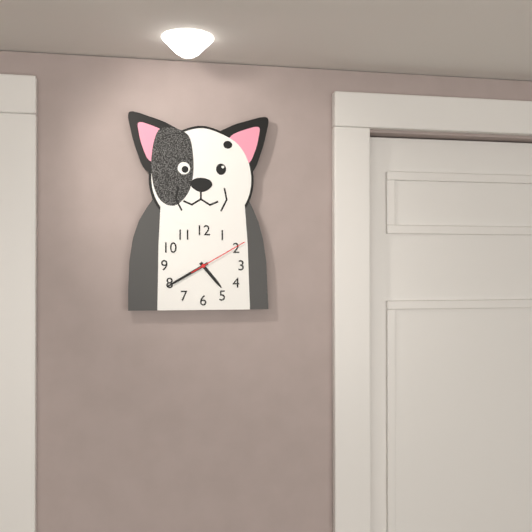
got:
4:40:10
